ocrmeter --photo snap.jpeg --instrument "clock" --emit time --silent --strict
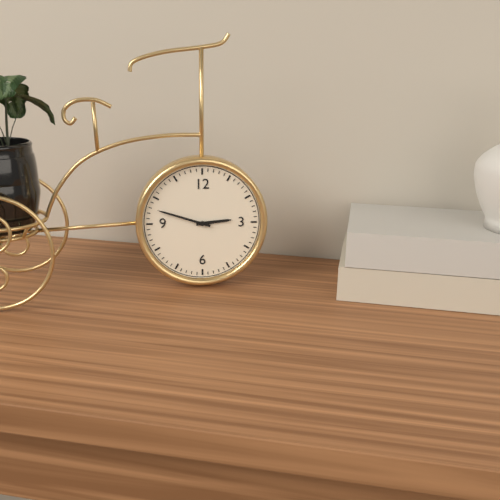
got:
2:48
